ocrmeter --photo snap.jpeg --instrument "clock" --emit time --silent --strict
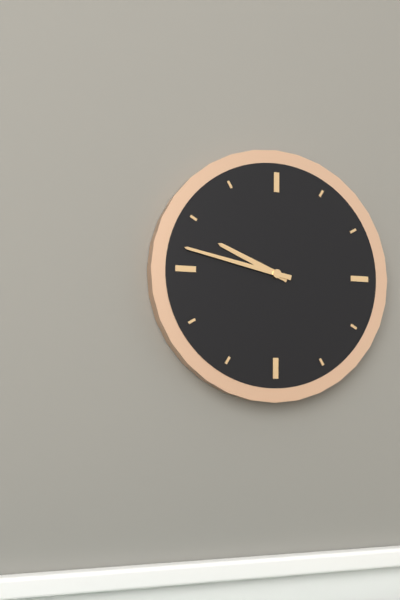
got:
9:47
